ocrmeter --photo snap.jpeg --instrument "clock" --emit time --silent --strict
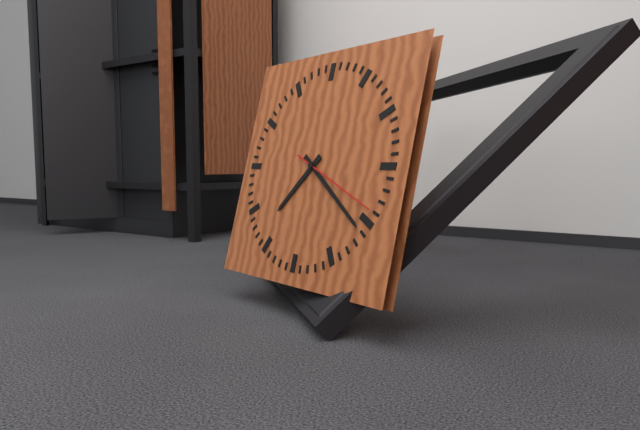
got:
7:21:19
